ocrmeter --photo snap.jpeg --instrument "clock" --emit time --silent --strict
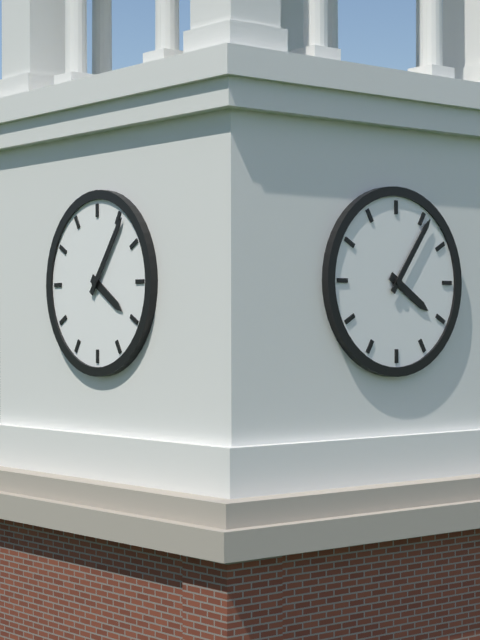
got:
4:06
